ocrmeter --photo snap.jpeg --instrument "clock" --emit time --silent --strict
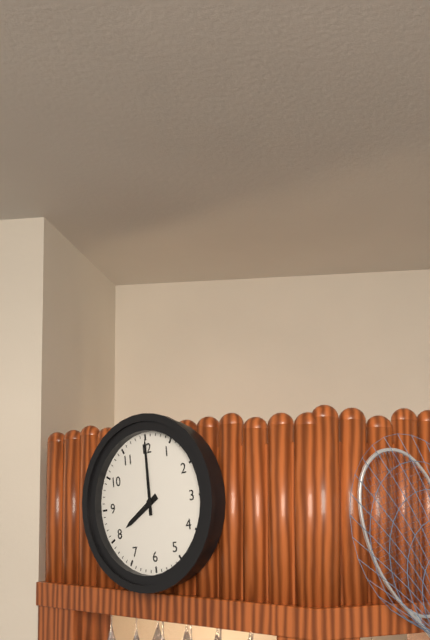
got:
8:00
